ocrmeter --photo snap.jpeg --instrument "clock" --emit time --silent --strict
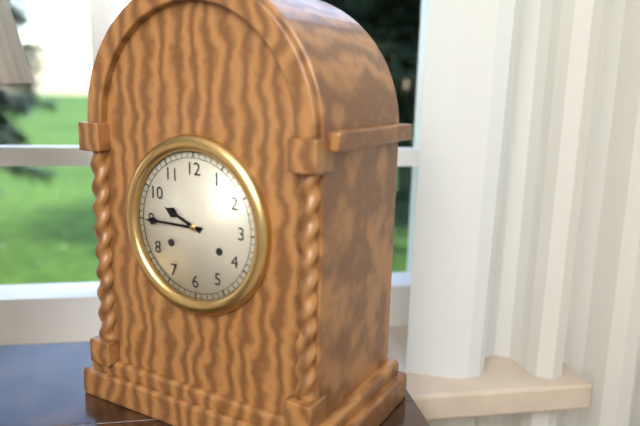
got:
9:45
